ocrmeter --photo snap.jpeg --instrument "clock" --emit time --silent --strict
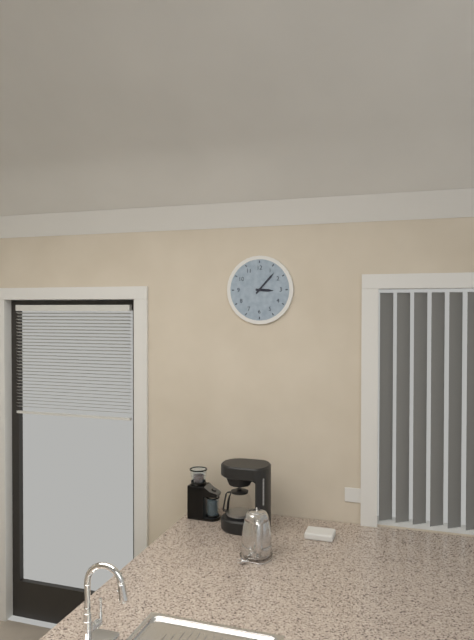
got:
3:07
